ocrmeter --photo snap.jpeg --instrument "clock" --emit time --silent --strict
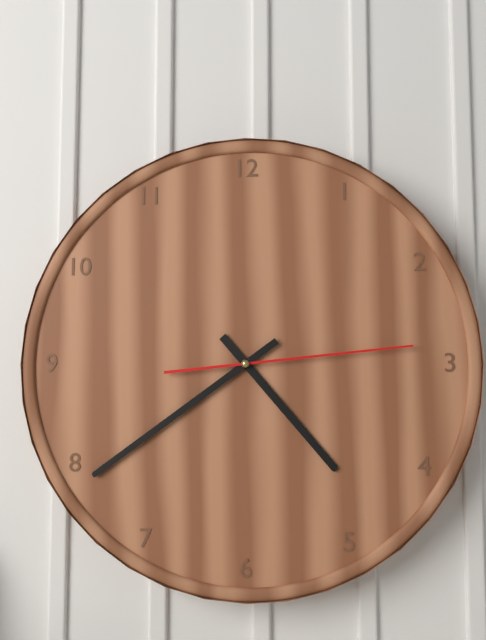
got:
4:39:14
